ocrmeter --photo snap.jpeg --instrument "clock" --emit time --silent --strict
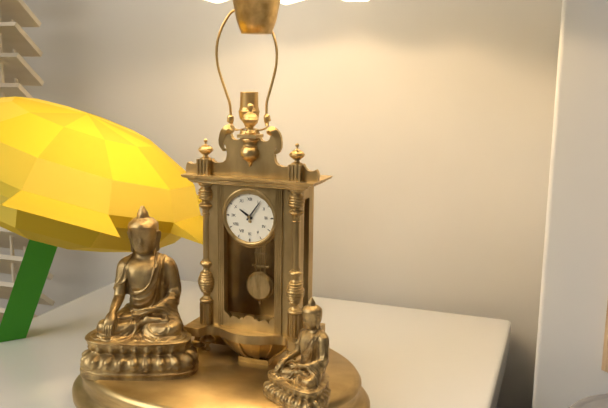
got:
10:06
